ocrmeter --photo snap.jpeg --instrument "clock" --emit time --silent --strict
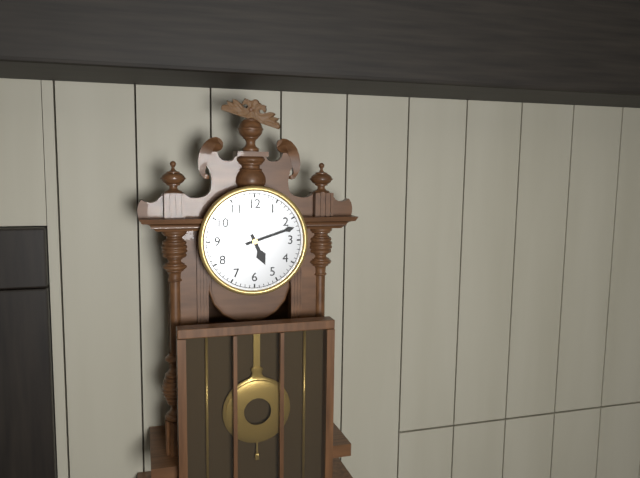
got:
5:12
